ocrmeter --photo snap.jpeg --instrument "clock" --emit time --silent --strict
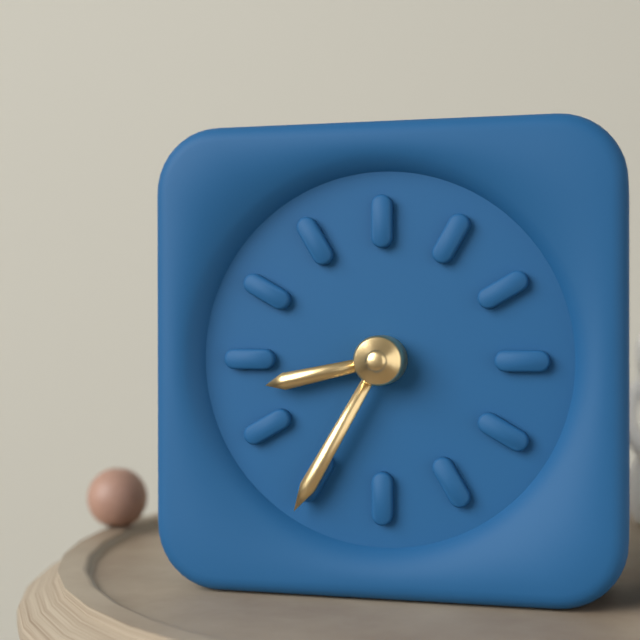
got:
8:35
